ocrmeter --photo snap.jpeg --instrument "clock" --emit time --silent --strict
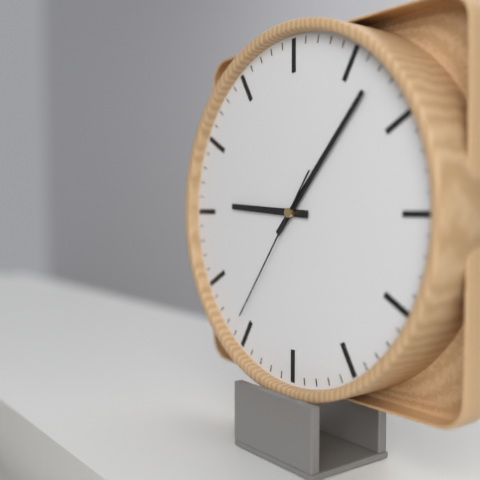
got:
9:07:36
